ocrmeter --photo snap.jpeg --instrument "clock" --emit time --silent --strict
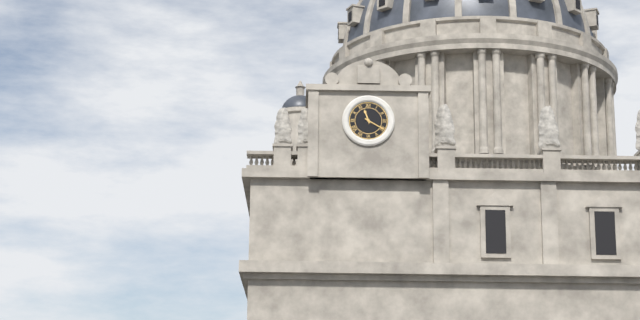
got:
11:20
